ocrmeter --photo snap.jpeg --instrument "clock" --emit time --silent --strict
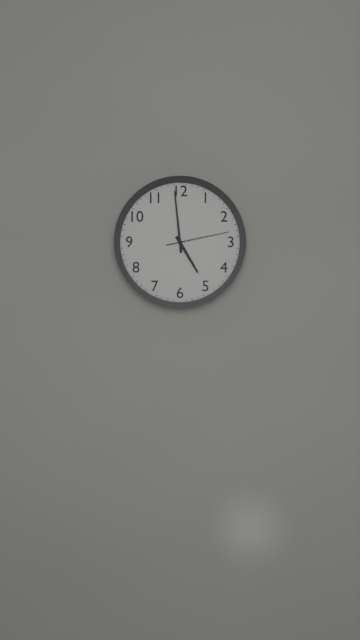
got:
4:59:13
